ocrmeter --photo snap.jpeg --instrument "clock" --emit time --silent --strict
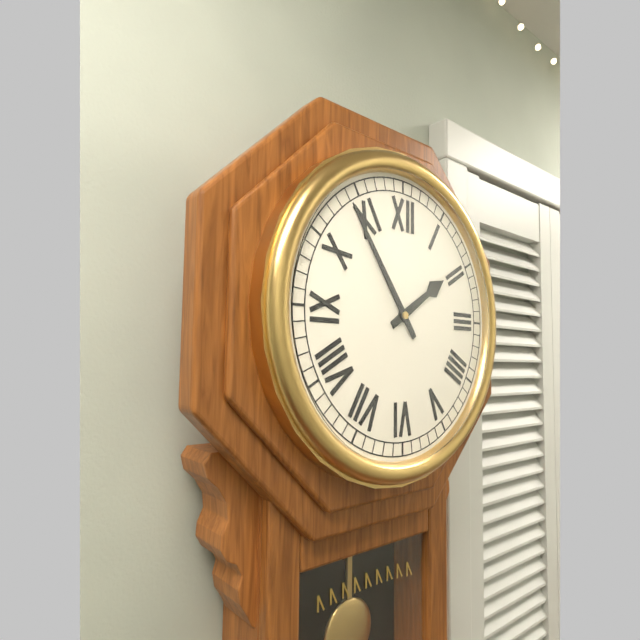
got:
1:54
